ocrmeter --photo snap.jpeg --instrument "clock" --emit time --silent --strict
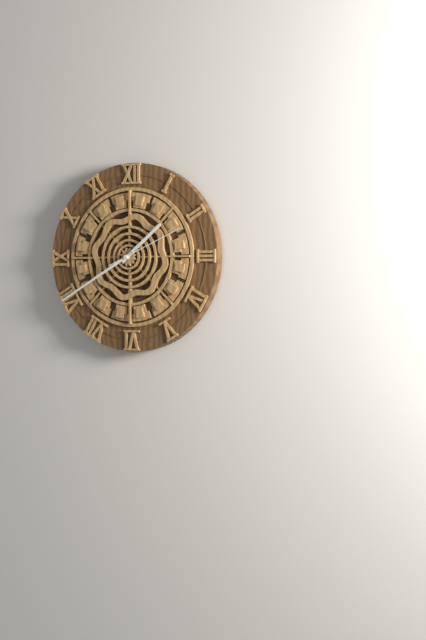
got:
1:40:11
